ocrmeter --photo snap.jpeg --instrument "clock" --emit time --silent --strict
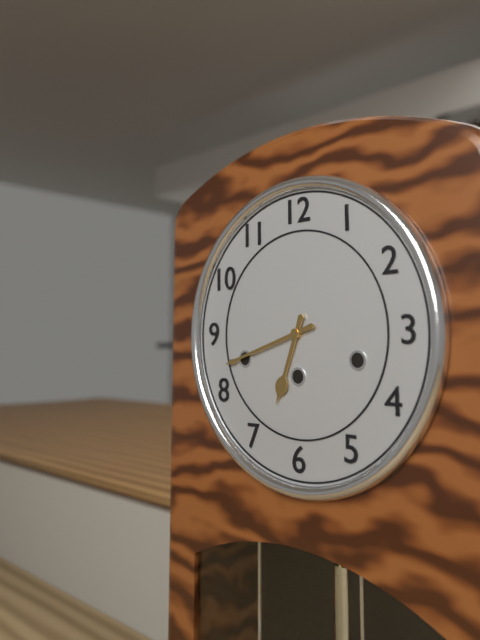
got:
6:42
